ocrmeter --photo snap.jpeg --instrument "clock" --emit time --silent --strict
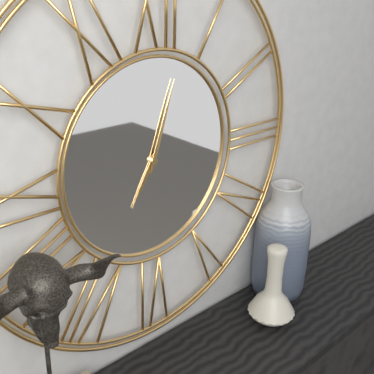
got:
7:03
